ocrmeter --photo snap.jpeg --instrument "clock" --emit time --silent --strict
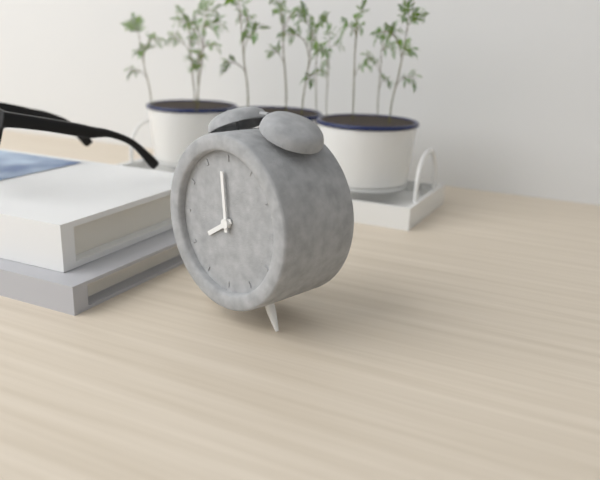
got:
7:59
